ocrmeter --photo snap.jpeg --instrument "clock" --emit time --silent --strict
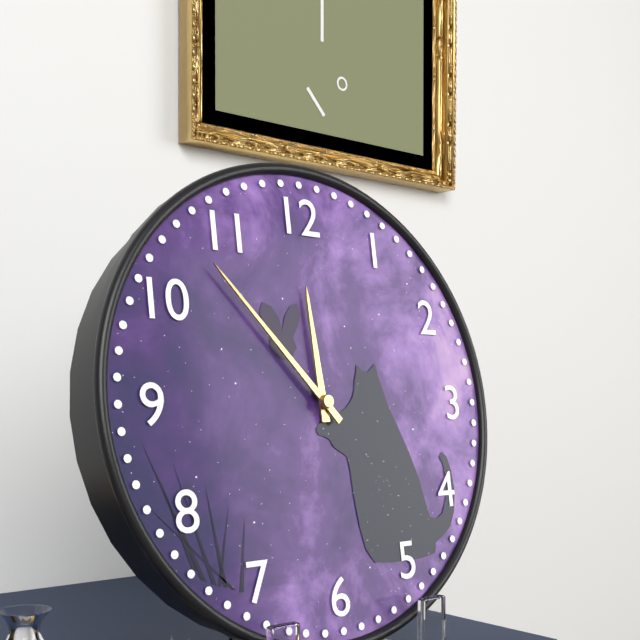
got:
11:53
